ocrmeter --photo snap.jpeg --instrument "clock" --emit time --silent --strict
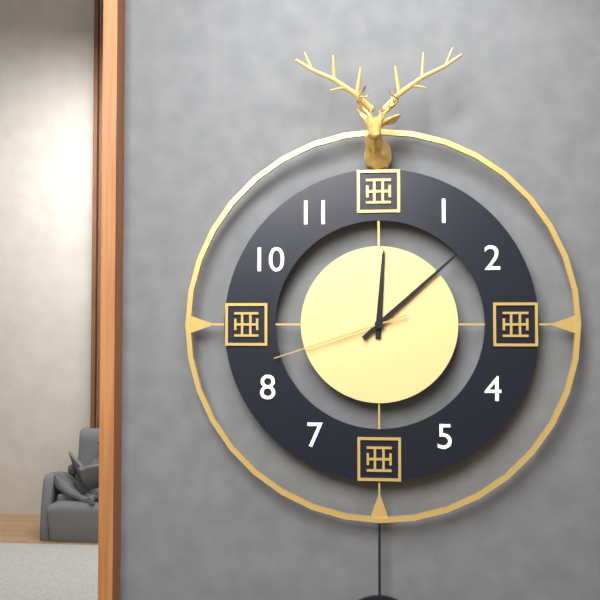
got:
12:08:42
